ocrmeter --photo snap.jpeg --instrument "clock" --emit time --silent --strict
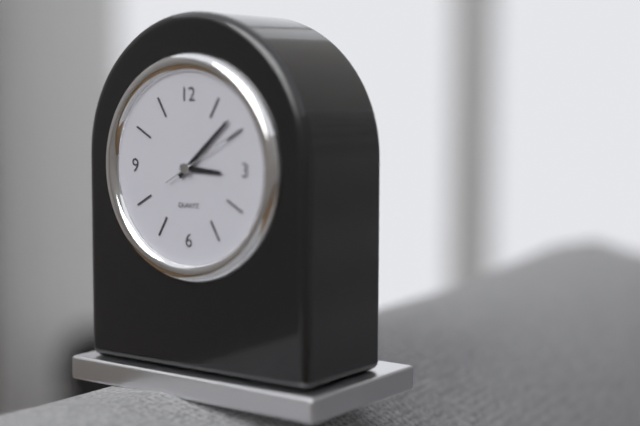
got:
3:08
